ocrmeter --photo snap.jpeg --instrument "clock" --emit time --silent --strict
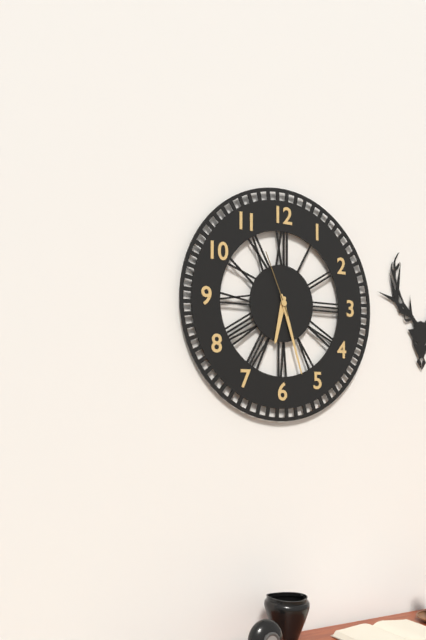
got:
6:27:56
